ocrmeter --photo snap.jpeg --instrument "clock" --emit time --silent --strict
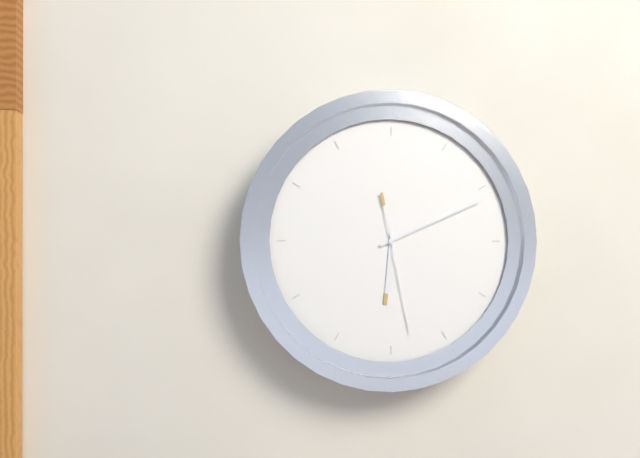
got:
6:11:28
